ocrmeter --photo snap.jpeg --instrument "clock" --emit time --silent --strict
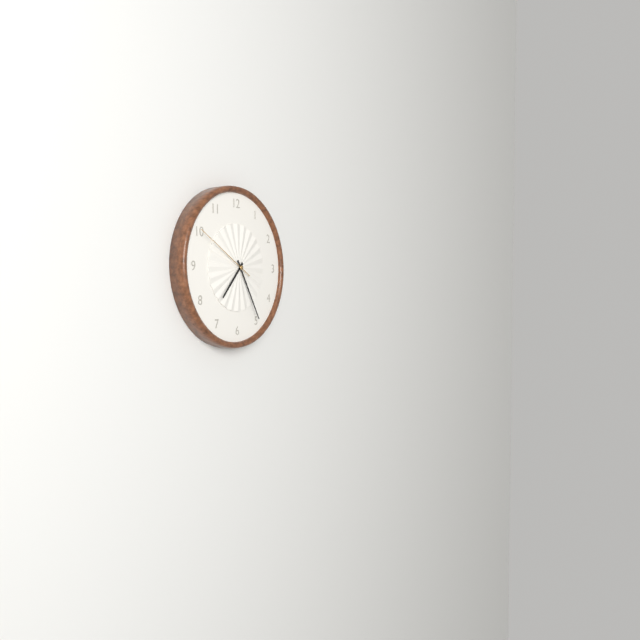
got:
7:25:50
